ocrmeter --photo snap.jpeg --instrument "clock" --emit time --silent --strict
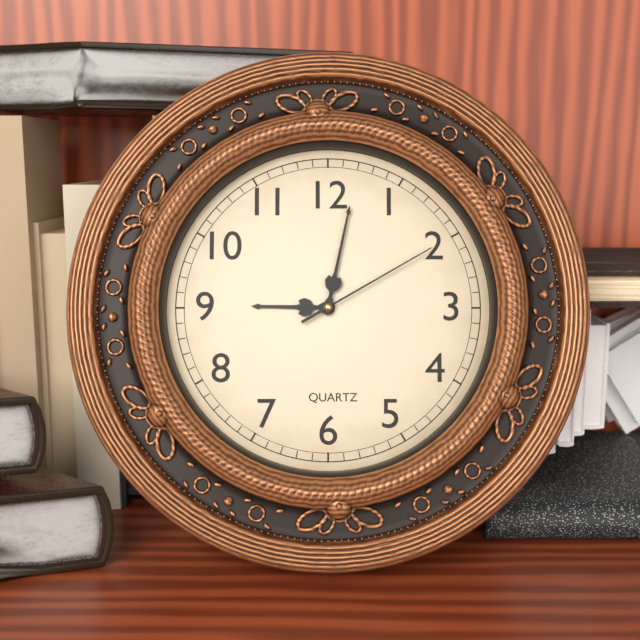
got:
9:02:10
